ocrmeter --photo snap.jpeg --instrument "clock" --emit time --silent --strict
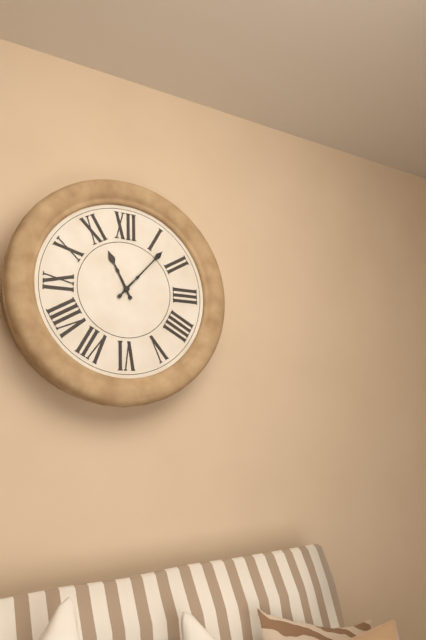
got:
11:07
